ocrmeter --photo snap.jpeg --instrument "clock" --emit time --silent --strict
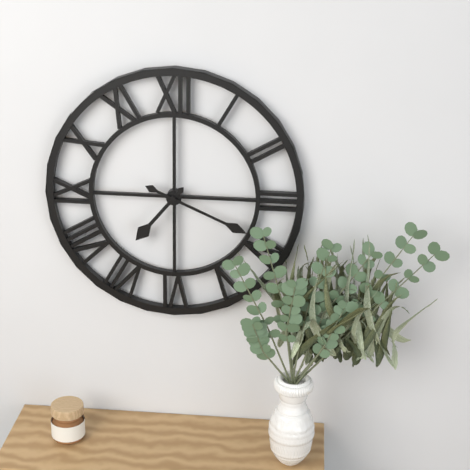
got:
7:19
